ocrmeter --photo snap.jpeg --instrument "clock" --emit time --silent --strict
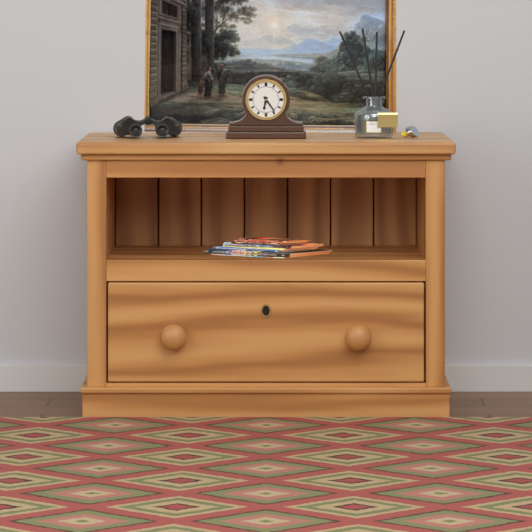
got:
6:24
